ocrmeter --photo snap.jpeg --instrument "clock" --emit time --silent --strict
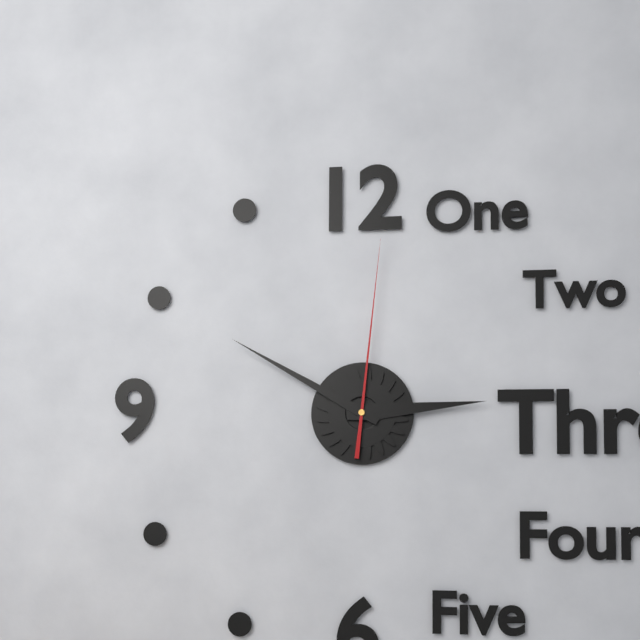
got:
2:50:01
